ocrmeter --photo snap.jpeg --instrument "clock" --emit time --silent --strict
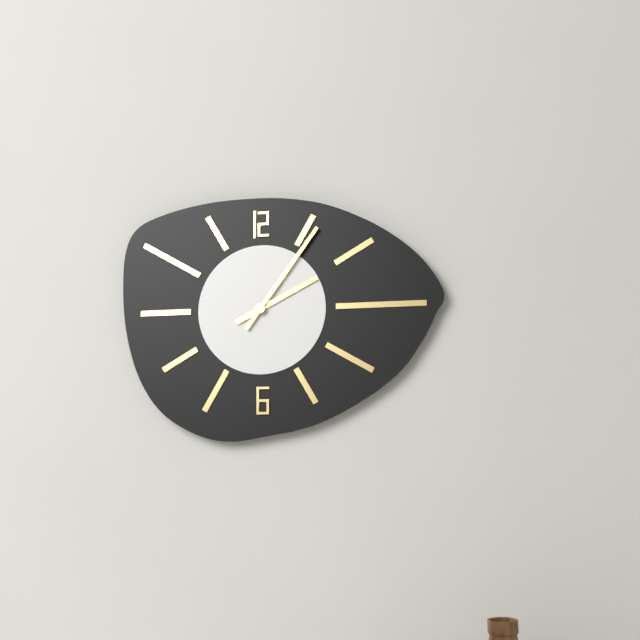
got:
2:06
